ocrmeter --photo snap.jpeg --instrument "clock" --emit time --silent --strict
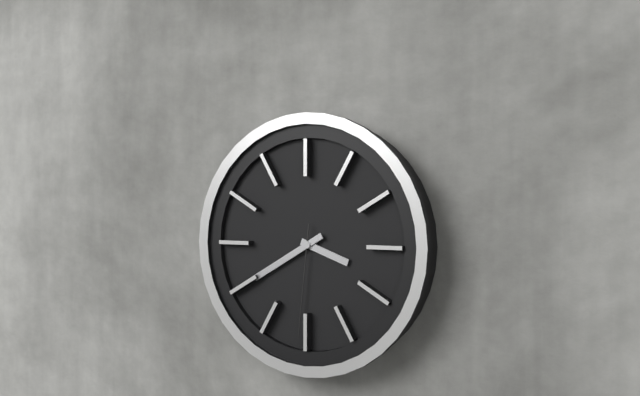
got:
3:40:31
